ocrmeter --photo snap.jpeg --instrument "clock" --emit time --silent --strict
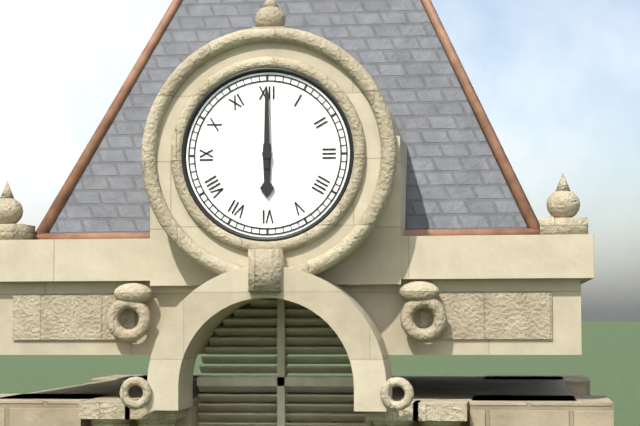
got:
6:00
